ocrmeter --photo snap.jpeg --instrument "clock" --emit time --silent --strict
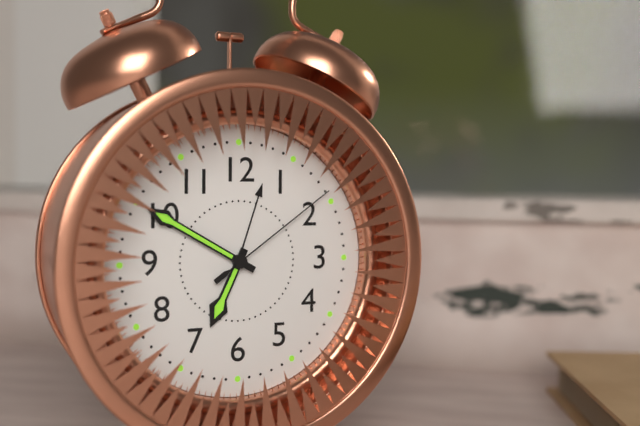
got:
6:50:09
